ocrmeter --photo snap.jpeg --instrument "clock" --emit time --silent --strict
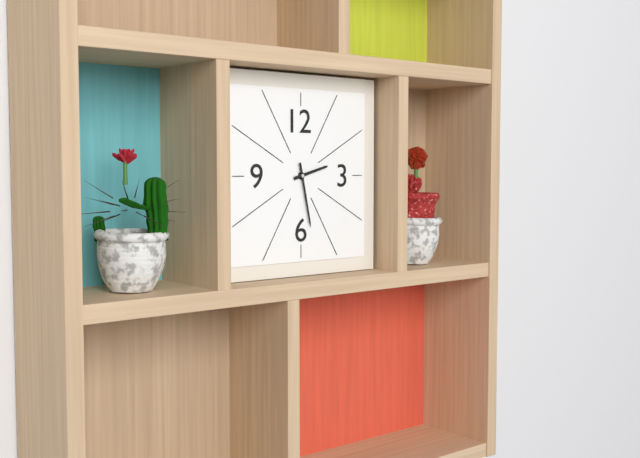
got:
2:28
